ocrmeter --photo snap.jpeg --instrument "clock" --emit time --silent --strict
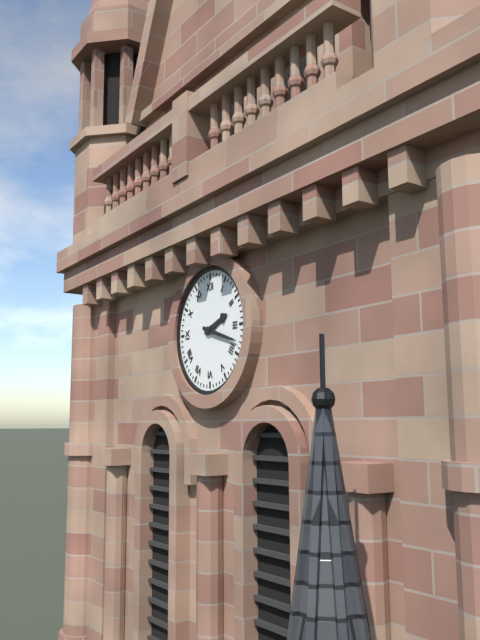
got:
2:18
